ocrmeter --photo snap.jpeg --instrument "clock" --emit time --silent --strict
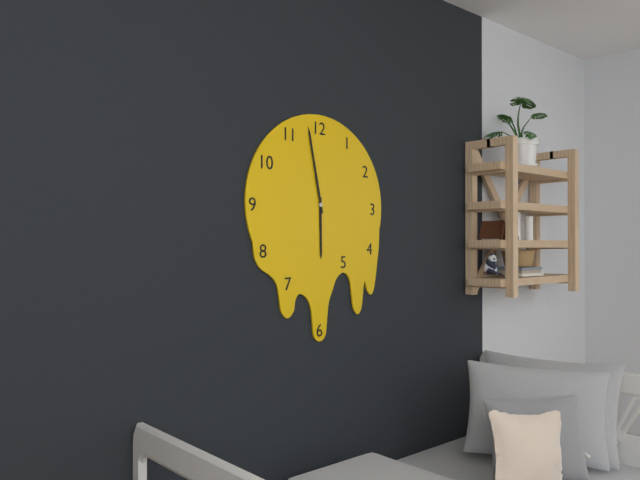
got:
5:58
